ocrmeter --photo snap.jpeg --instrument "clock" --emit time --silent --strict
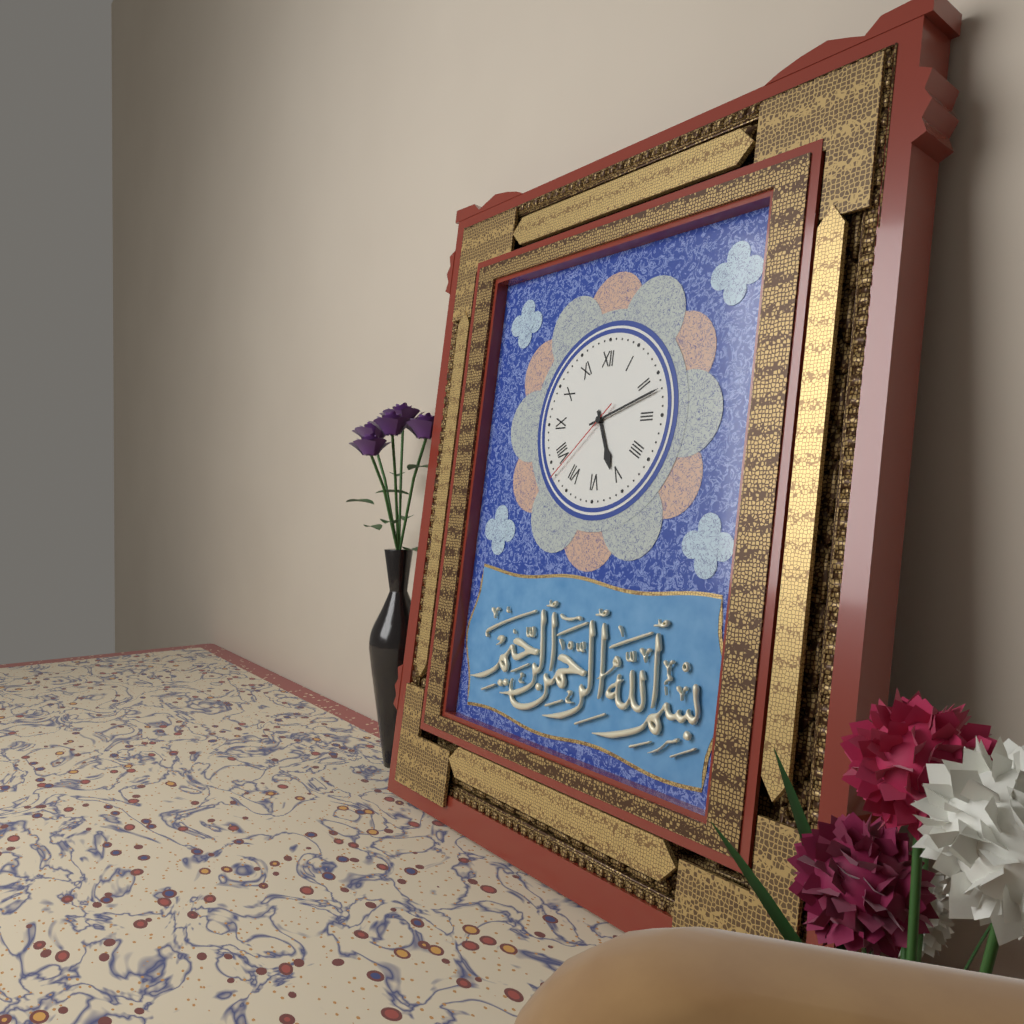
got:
5:12:38
